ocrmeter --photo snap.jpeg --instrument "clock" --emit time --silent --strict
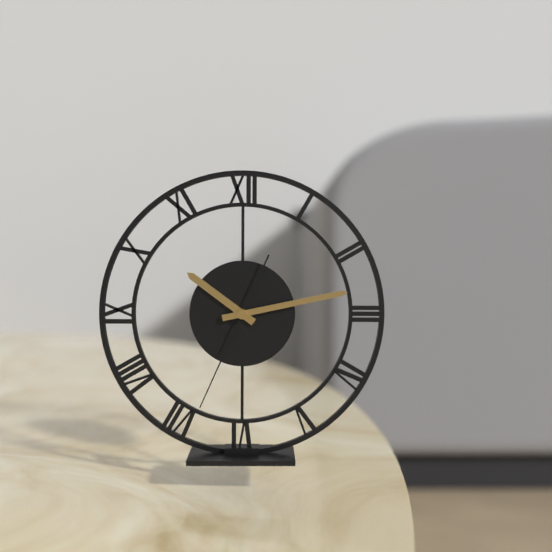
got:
10:13:34
